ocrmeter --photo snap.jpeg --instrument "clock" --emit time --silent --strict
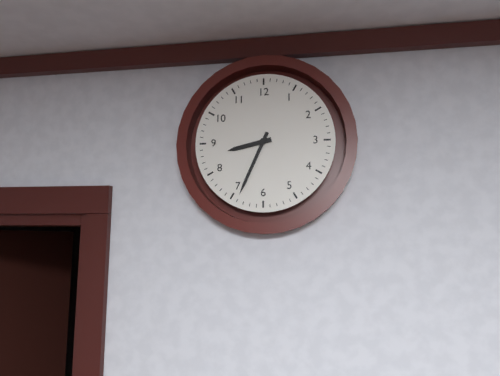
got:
8:34
